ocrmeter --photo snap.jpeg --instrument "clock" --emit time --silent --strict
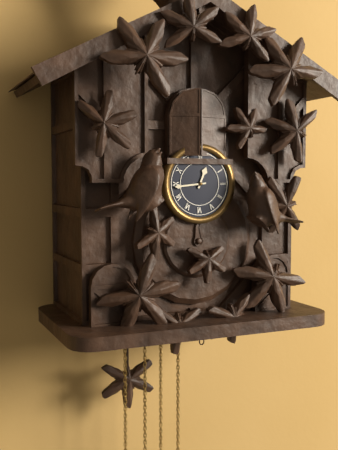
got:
12:44
